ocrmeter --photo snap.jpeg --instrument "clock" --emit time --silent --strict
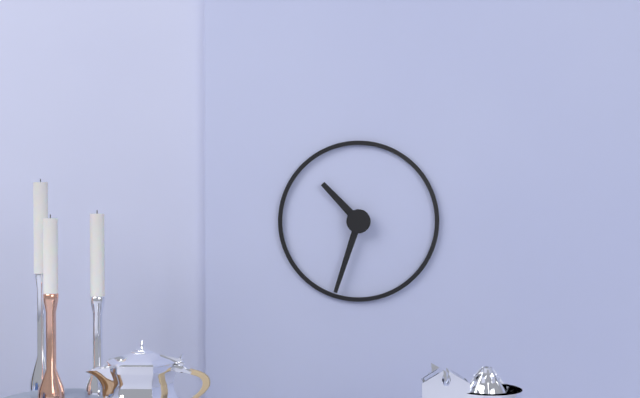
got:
10:33
